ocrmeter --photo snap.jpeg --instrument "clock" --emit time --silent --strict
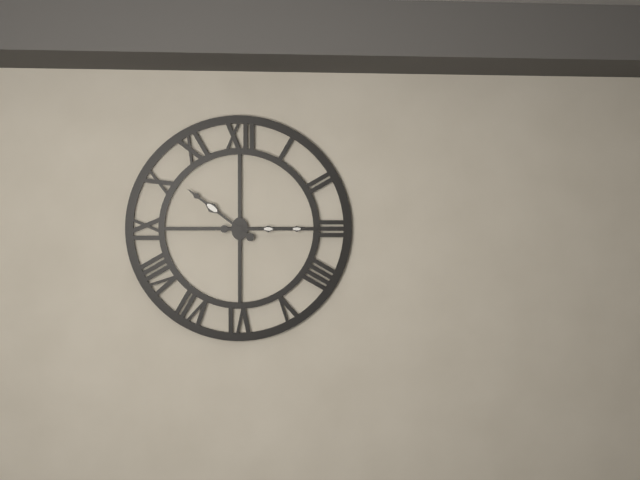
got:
10:15
